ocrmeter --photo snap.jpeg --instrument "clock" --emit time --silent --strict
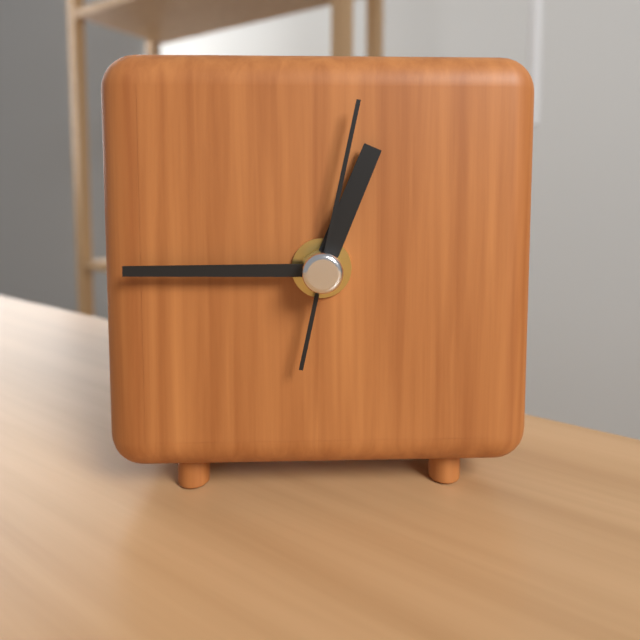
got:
12:45:02
